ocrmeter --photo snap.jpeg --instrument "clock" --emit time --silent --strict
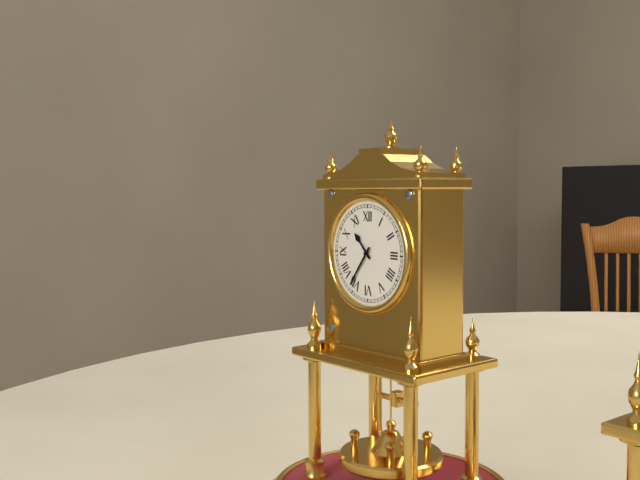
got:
10:36
